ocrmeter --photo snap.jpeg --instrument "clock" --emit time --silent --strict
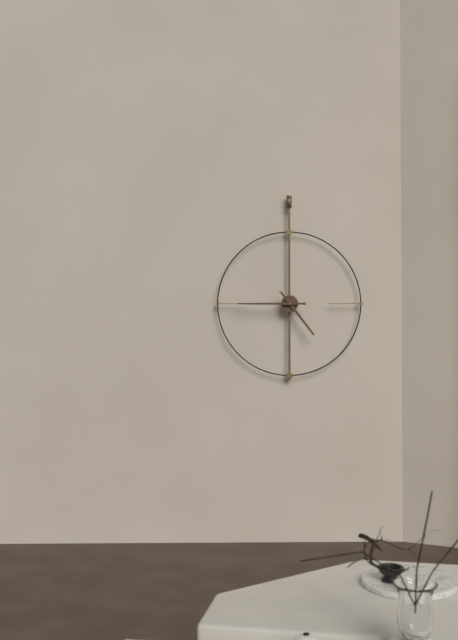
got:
4:45
